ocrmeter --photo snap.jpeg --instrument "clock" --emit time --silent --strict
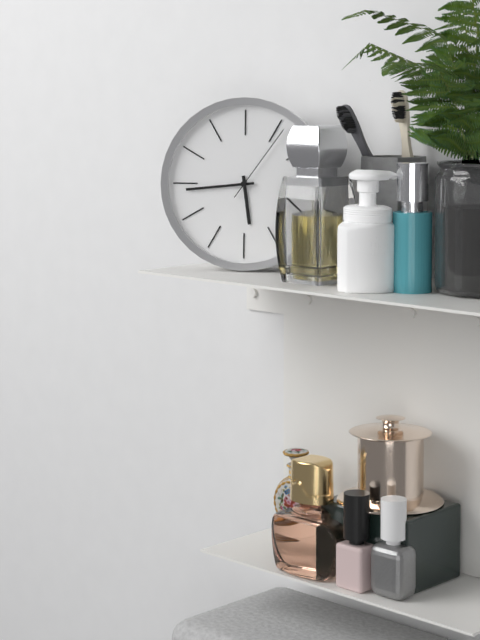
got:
5:44:06
